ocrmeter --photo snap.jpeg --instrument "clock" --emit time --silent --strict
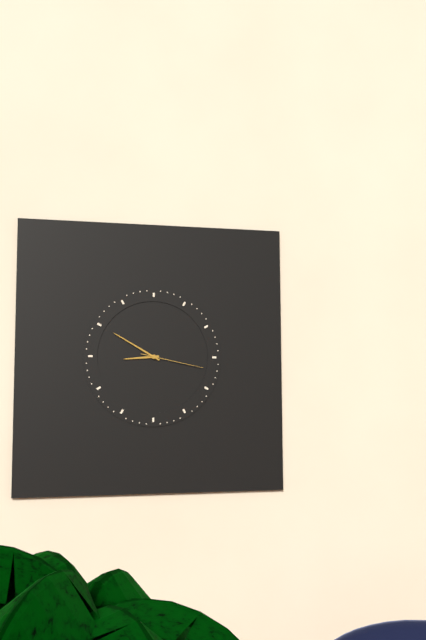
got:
8:50:17
